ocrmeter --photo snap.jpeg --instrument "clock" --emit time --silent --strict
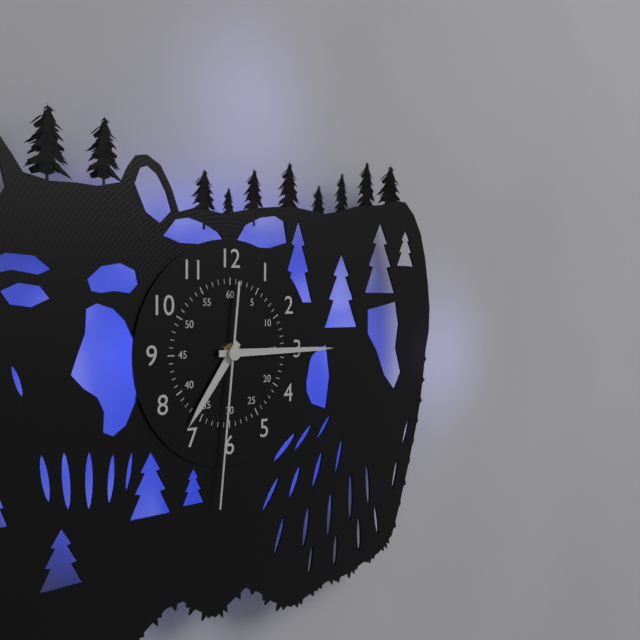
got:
7:15:31
